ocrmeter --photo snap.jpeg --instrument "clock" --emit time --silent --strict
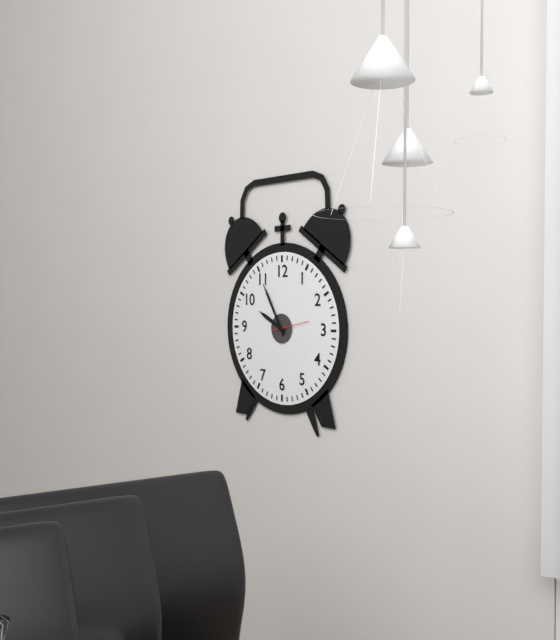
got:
9:55
